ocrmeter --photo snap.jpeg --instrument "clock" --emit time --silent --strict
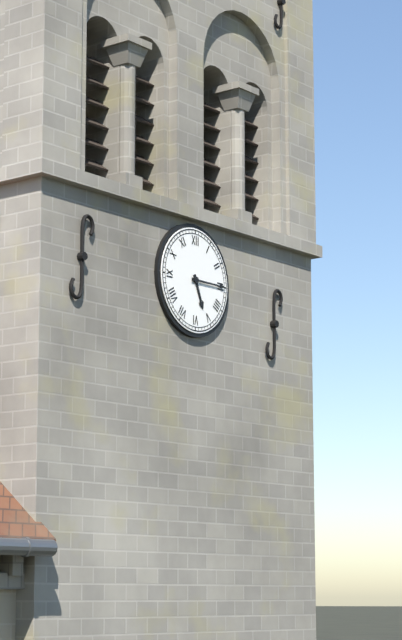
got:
5:15
